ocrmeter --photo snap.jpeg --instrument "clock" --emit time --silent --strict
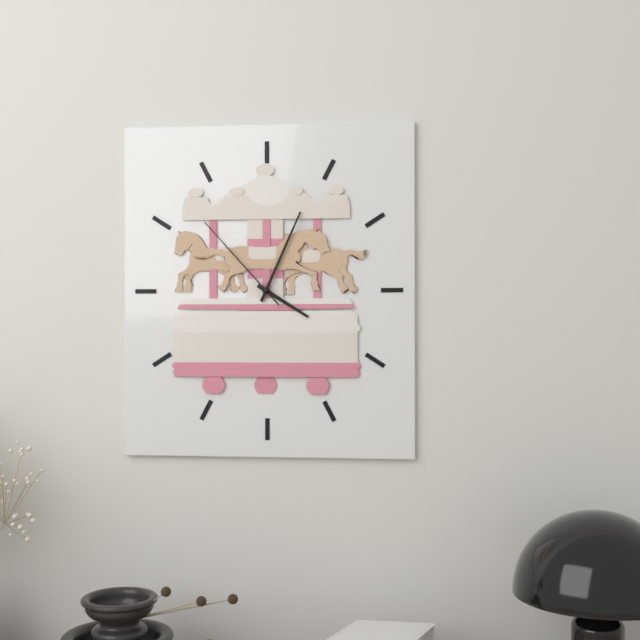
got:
4:04:53
